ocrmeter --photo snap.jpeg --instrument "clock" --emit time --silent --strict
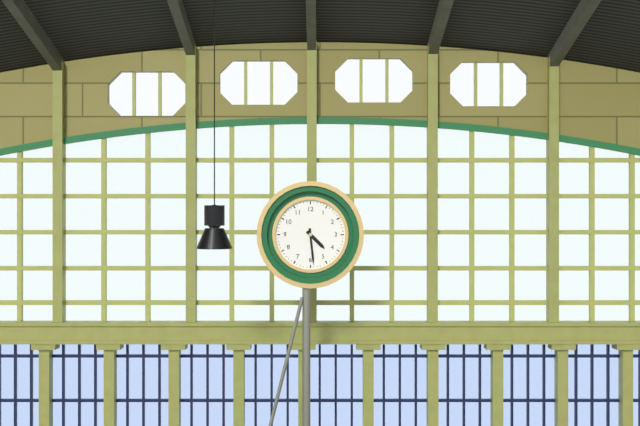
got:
4:29
